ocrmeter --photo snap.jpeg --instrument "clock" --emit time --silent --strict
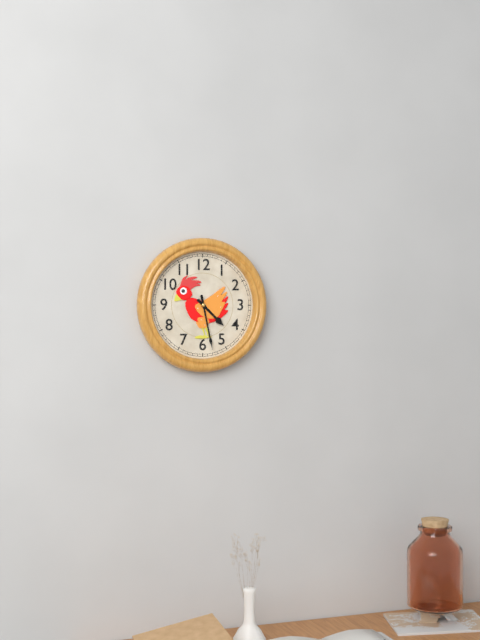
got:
4:28
